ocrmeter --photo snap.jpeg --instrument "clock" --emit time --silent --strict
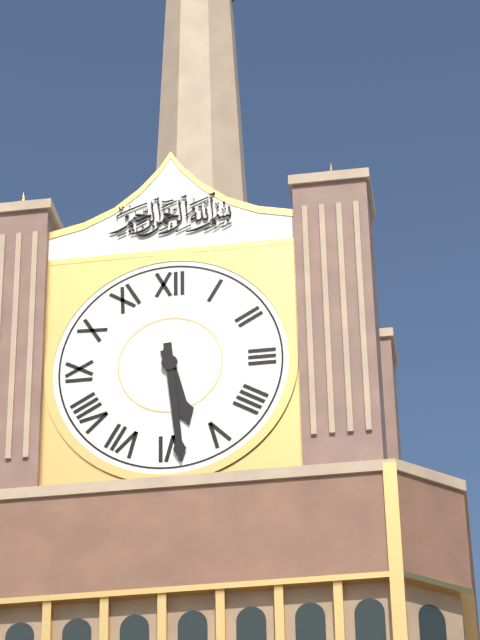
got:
5:29
